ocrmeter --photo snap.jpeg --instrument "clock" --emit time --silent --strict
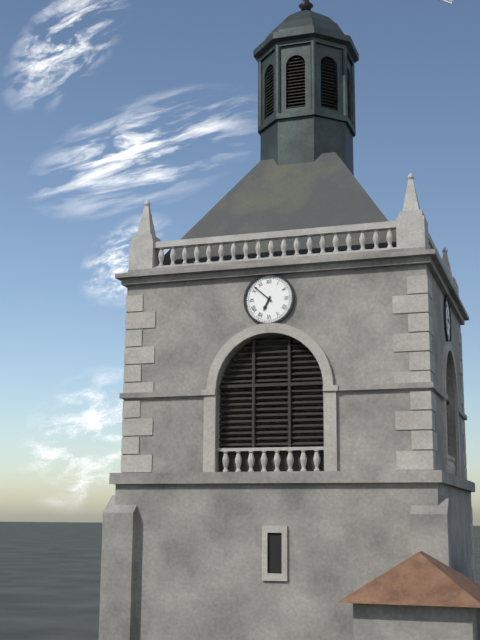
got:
6:52
